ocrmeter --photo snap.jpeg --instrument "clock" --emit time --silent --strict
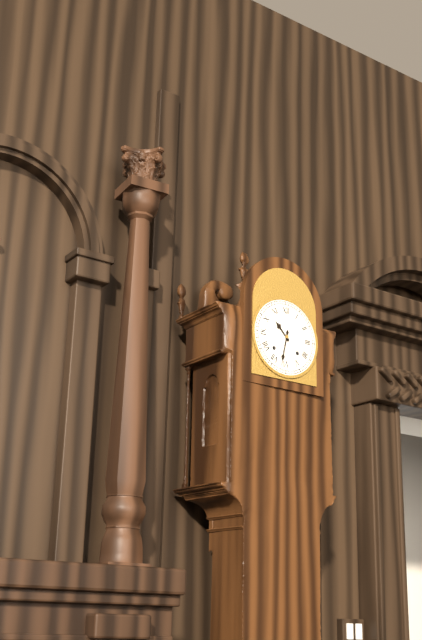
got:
10:32
